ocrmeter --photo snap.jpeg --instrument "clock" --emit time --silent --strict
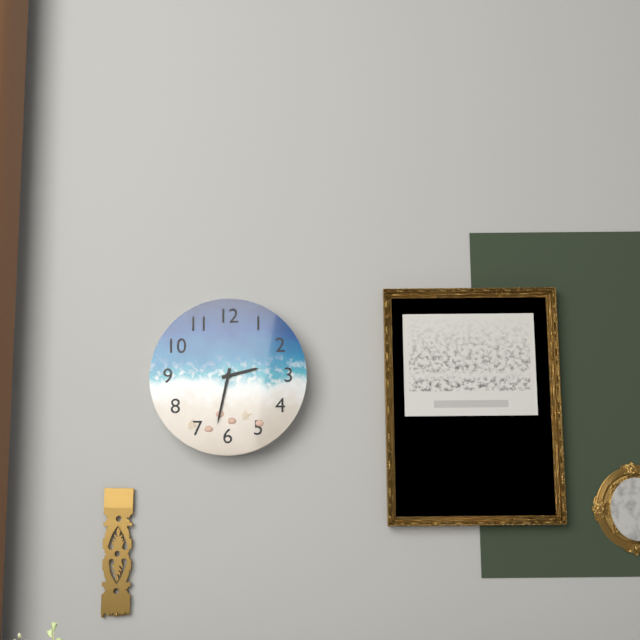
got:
2:32
